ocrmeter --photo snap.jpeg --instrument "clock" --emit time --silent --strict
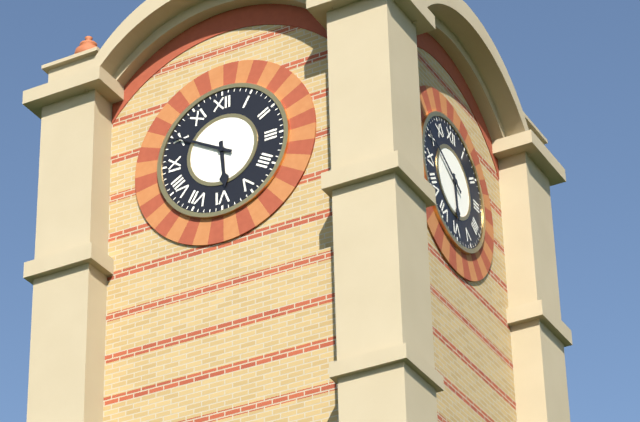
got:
5:50
